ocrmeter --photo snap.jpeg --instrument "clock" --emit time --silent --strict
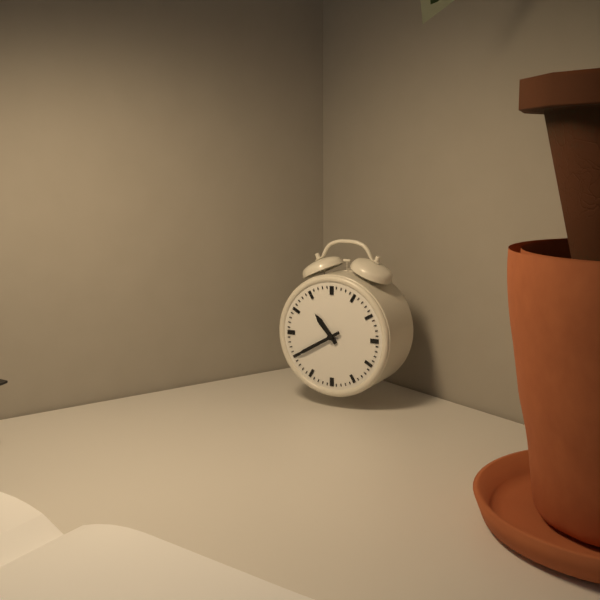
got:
10:40
